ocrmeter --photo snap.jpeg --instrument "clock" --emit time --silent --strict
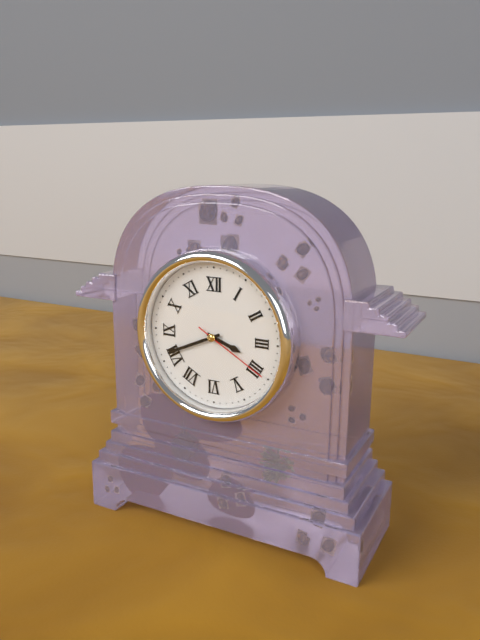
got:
3:41:20
